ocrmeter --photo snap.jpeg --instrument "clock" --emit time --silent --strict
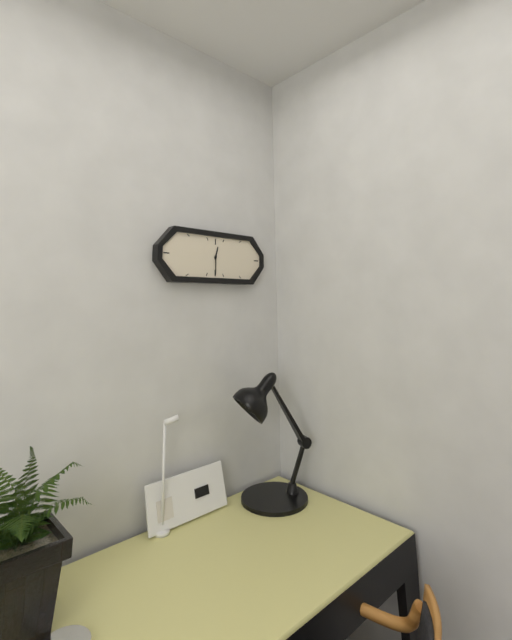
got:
12:30
